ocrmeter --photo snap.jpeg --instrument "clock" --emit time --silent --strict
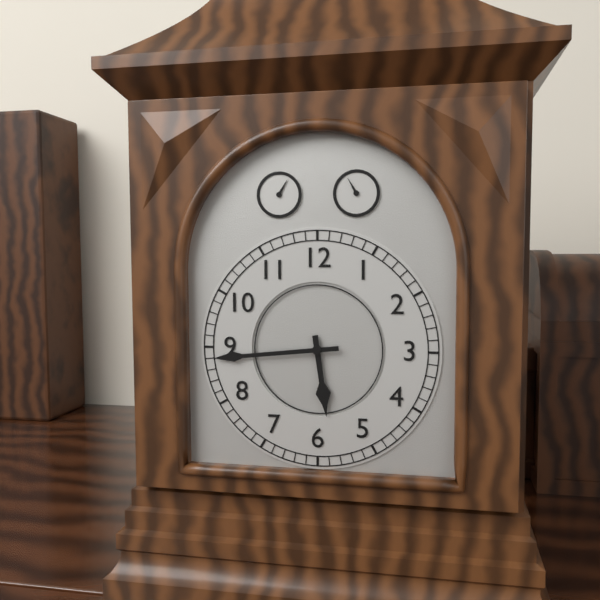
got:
5:44
